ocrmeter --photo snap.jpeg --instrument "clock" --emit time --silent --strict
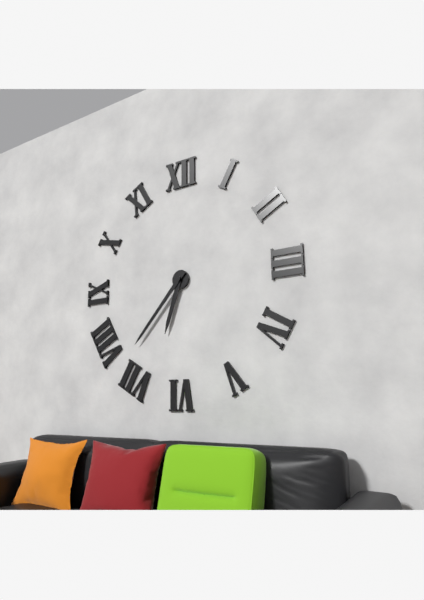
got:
6:37
